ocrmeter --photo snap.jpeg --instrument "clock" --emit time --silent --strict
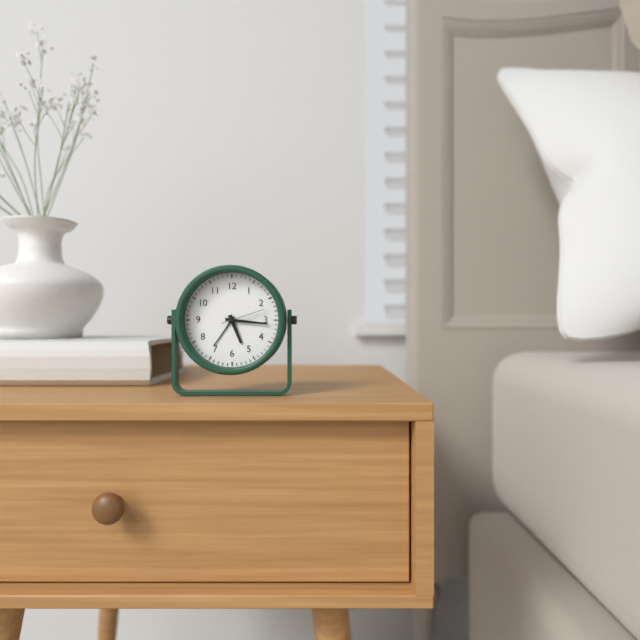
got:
5:16
